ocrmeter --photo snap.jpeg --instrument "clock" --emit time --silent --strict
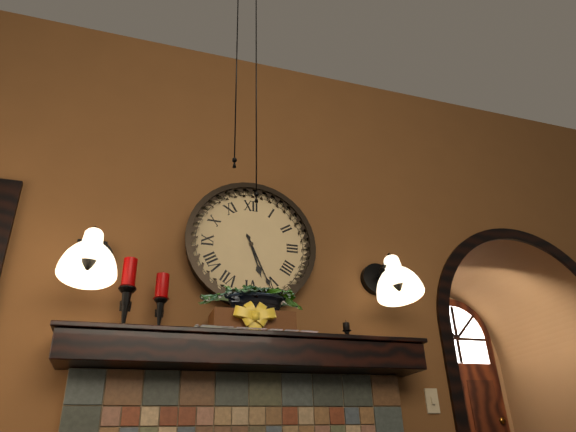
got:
5:26
